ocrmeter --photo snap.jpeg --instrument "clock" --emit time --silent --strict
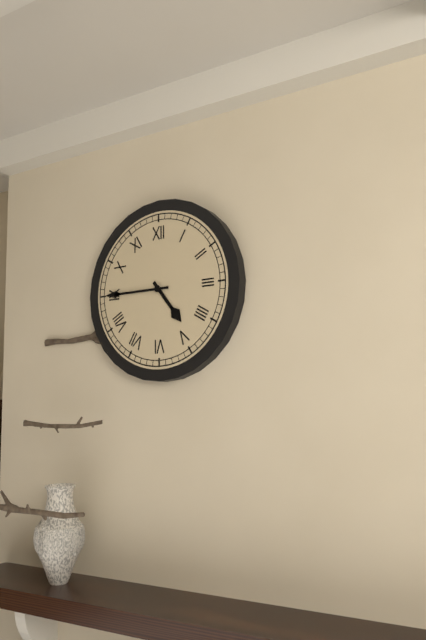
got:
4:45
